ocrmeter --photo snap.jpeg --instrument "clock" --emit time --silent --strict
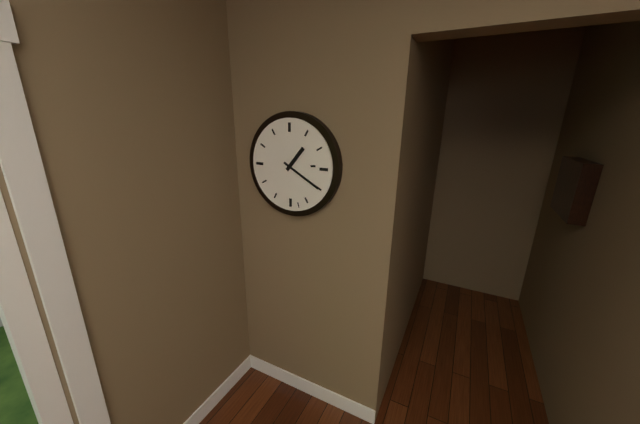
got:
1:20
